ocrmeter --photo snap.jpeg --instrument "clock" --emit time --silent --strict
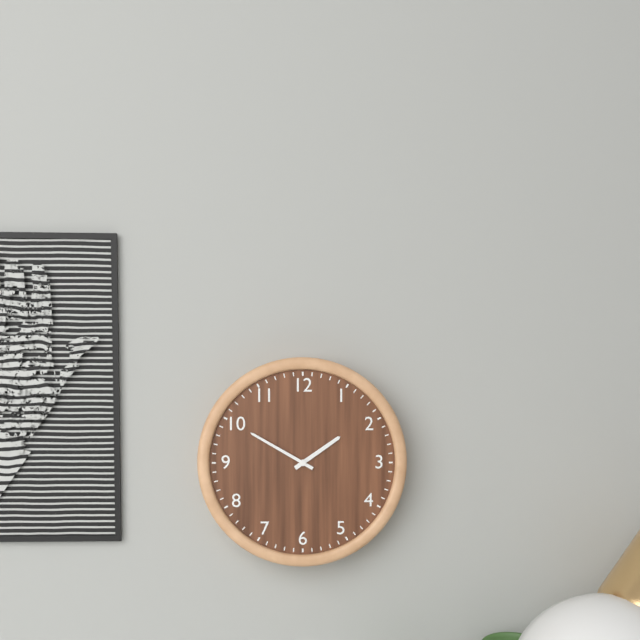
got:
1:50
